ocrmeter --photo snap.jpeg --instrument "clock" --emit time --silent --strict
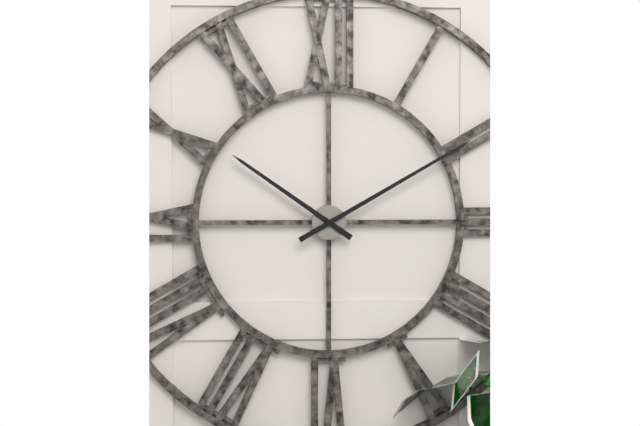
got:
10:10
